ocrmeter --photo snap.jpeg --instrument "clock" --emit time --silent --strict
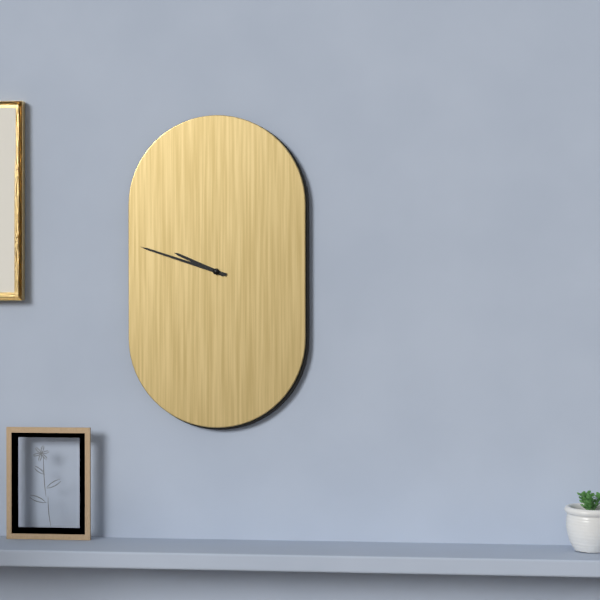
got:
9:48
